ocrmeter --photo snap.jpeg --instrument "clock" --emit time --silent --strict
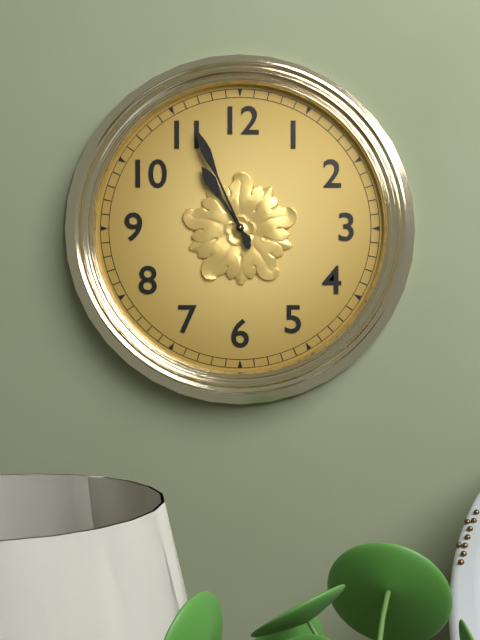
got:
10:56
